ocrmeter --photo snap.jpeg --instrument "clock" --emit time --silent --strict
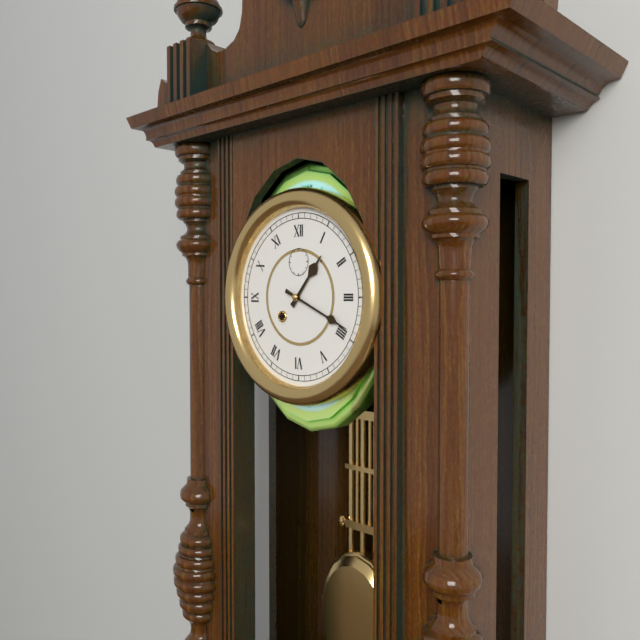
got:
1:19
